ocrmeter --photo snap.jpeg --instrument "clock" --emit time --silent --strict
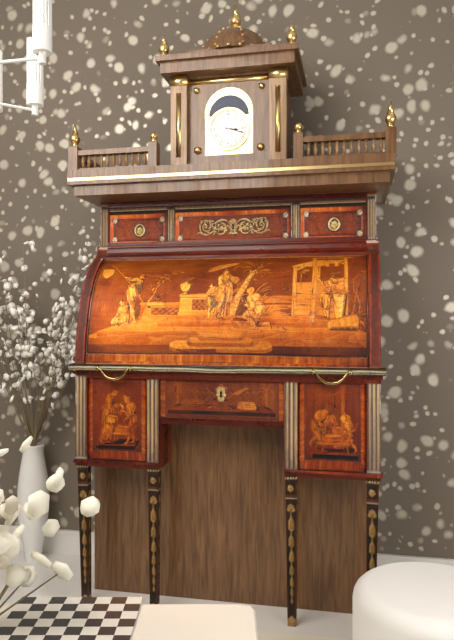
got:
3:18
